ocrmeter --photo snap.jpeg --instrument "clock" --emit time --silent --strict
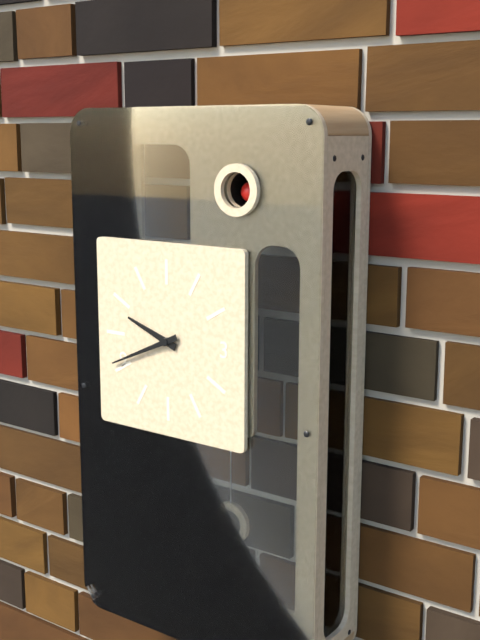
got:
9:41
